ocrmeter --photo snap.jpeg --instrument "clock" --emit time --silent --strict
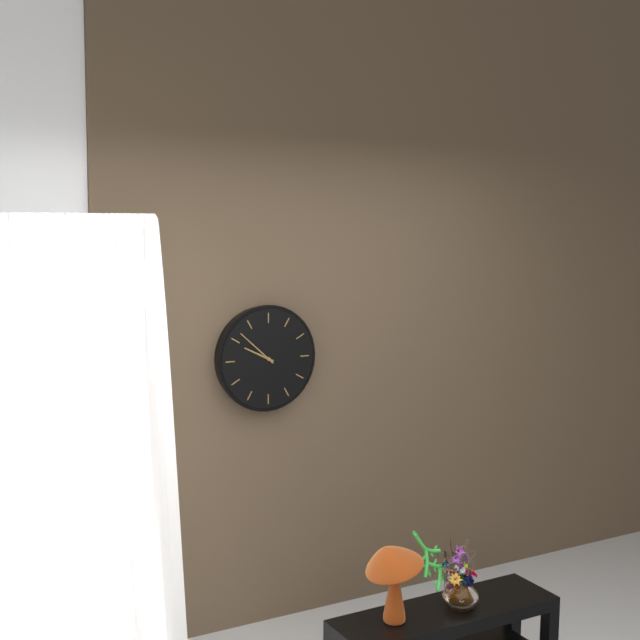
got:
9:52
